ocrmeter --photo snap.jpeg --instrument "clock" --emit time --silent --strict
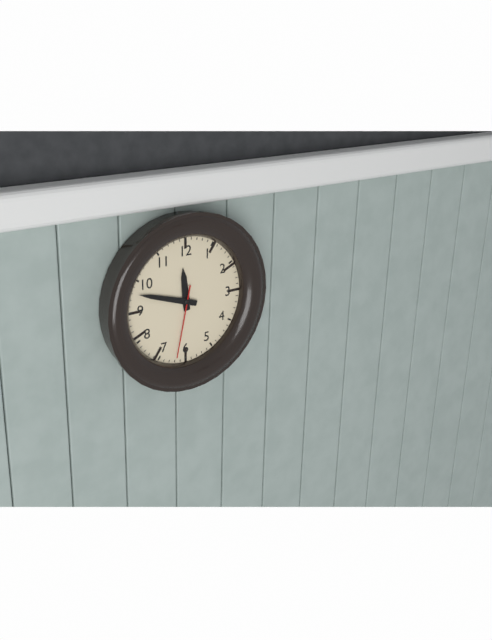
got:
11:48:32
